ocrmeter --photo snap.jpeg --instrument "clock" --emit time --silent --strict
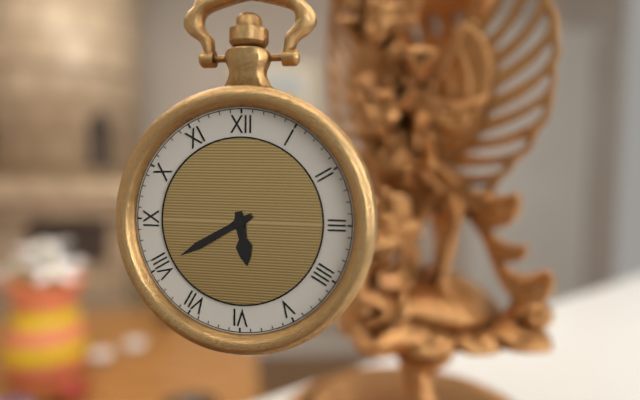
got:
5:40
